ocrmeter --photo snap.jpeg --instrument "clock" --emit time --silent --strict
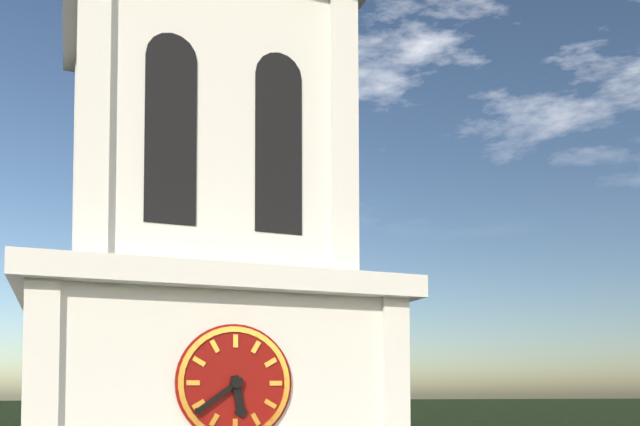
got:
5:39
